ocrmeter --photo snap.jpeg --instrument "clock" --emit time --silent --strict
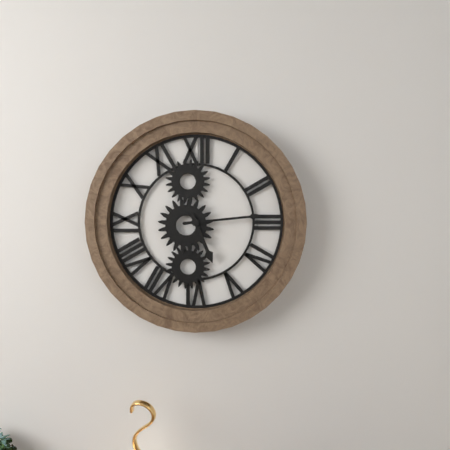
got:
5:14
